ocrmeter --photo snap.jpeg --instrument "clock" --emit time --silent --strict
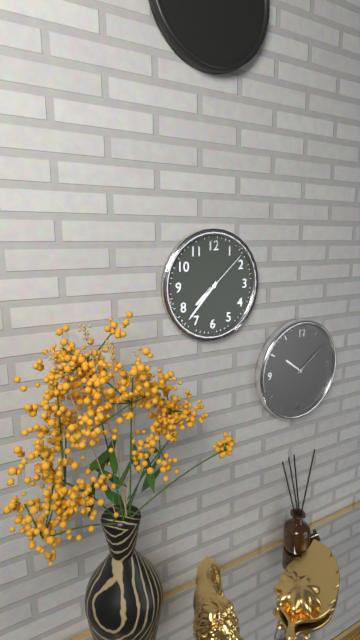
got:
7:37:08
